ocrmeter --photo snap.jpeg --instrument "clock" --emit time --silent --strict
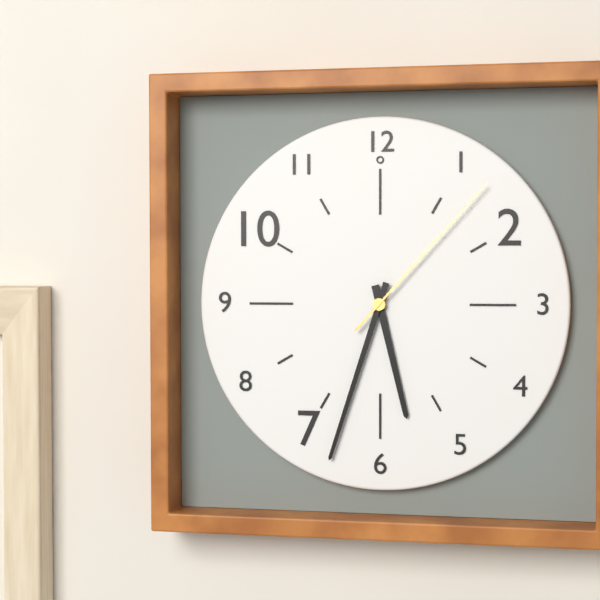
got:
5:33:07
